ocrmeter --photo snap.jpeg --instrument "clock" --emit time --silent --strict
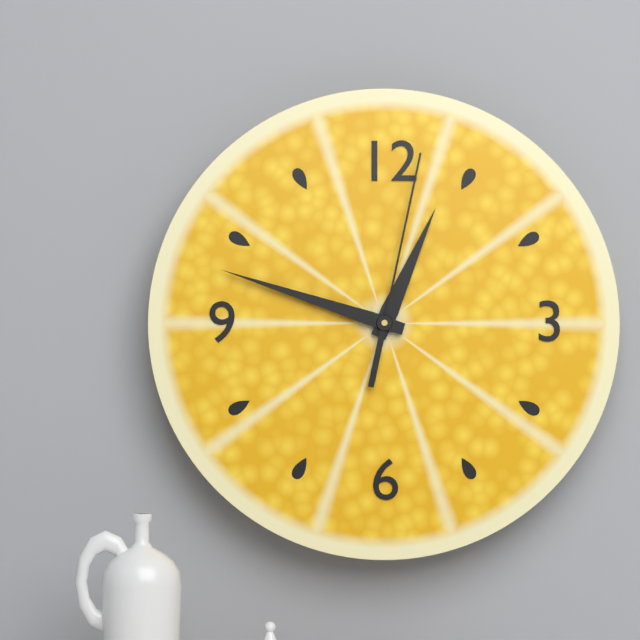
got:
12:48:02
